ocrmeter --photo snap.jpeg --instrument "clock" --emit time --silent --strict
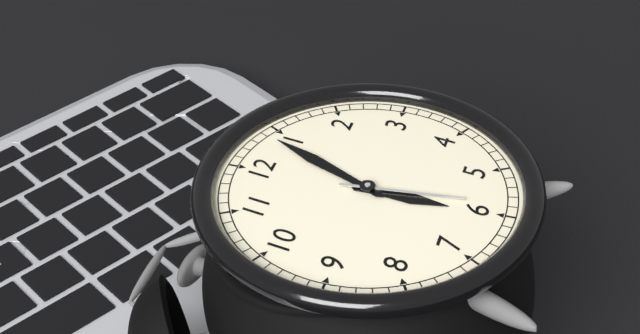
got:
6:04:29
